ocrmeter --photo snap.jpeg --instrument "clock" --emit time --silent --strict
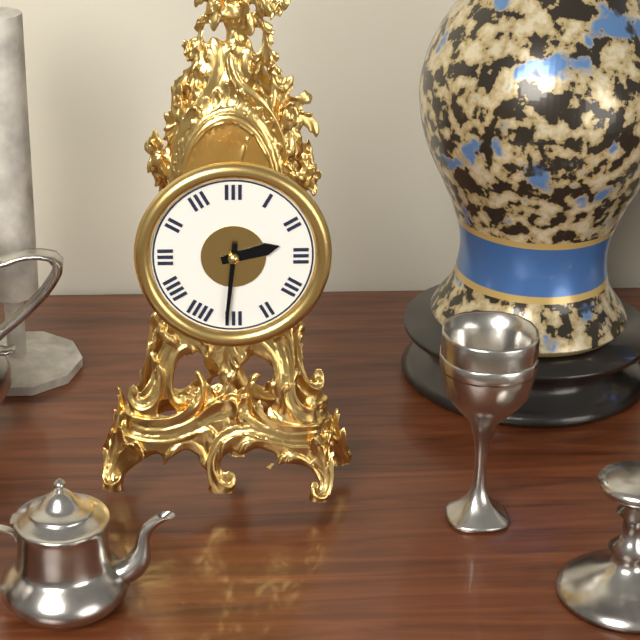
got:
2:31
